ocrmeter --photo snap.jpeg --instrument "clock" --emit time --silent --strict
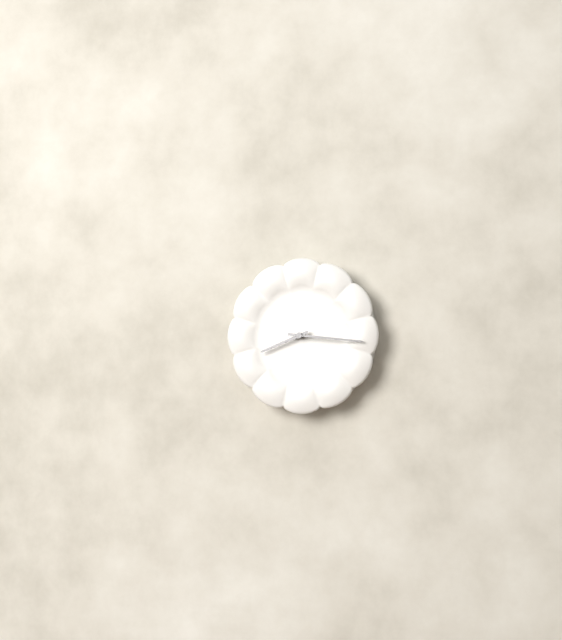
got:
8:16
